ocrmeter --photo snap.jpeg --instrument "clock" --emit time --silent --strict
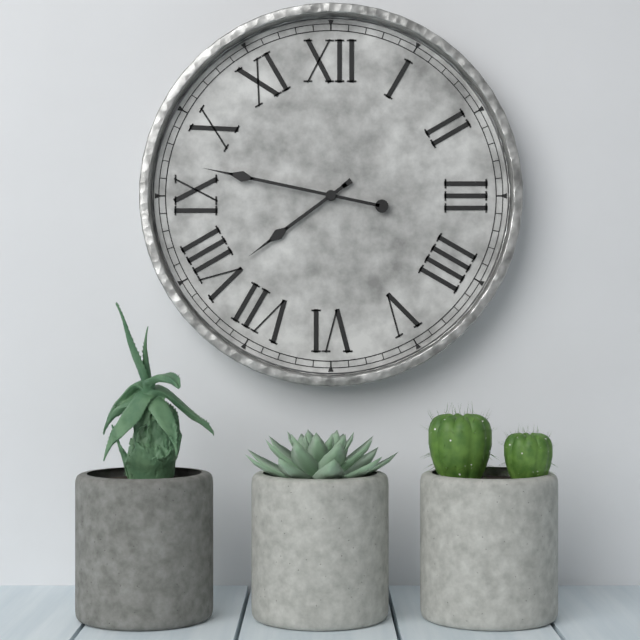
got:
7:47
